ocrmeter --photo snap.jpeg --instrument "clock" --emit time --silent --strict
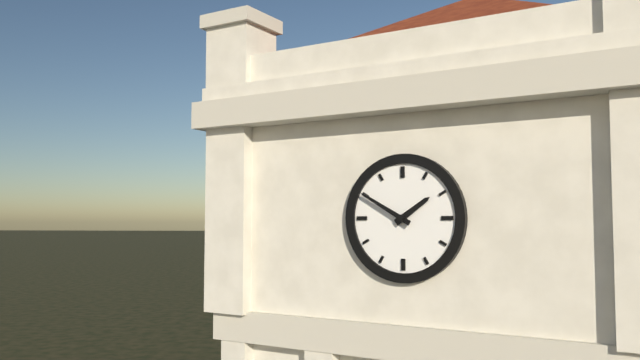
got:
1:50
